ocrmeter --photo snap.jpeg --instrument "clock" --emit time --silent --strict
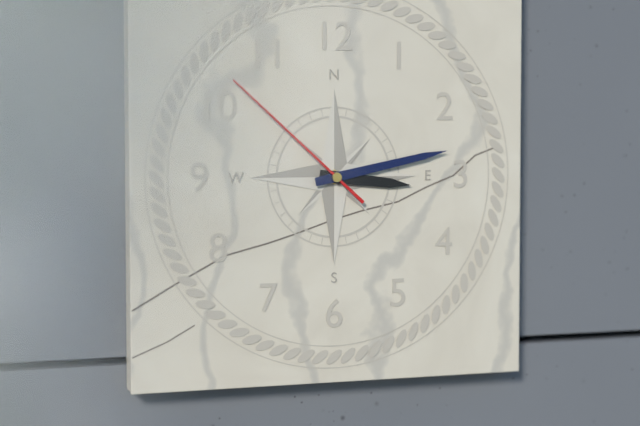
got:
3:13:52
